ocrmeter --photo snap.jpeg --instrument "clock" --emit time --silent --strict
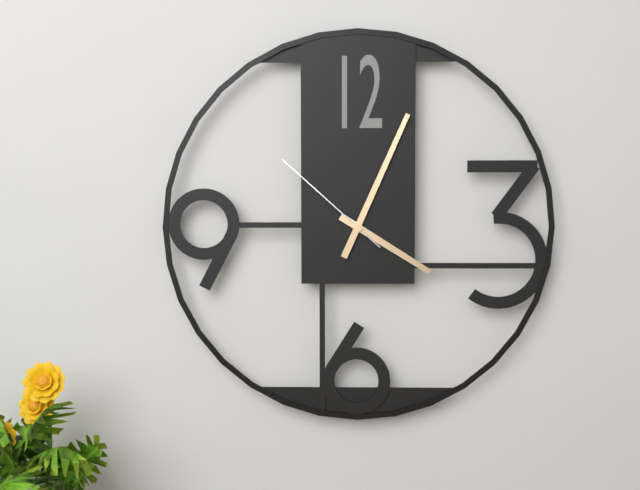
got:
4:04:52
